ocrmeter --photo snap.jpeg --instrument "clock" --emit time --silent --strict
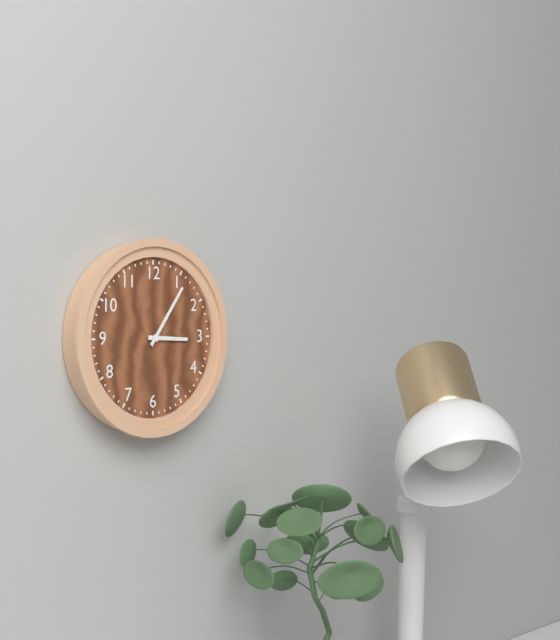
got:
3:06
